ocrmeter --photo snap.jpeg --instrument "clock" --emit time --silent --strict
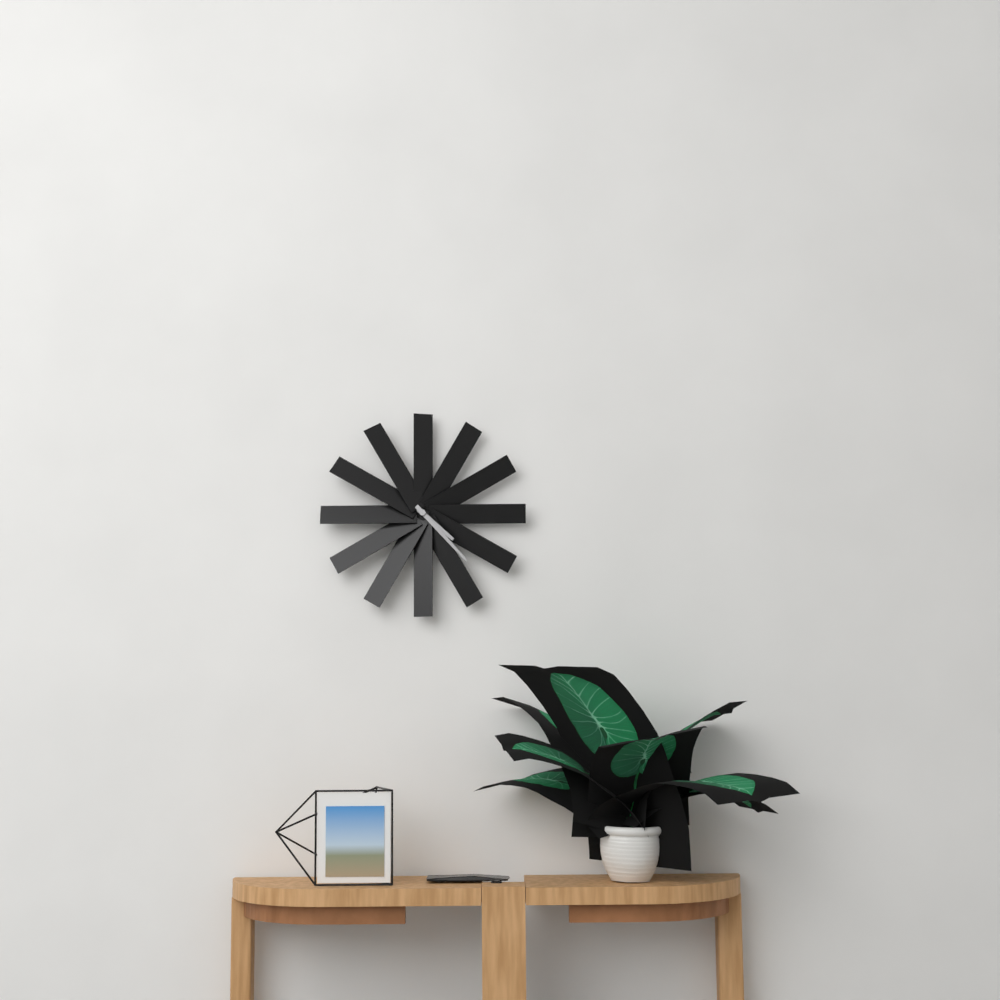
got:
4:23
